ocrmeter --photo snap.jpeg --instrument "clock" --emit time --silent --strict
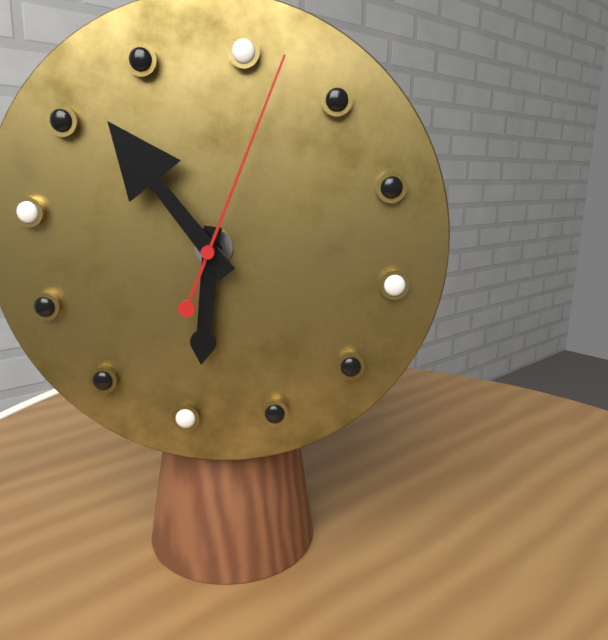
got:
5:52:02
